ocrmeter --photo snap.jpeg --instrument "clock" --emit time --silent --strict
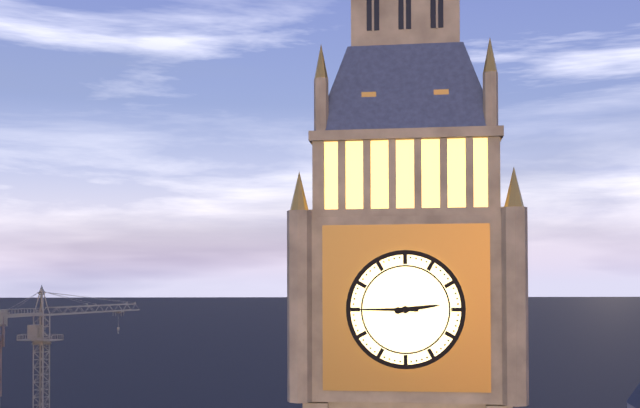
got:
2:45
